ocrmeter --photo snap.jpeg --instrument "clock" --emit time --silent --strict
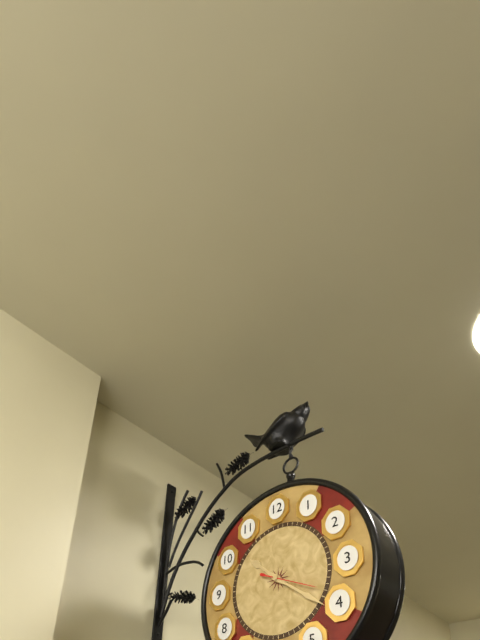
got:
10:21:19
